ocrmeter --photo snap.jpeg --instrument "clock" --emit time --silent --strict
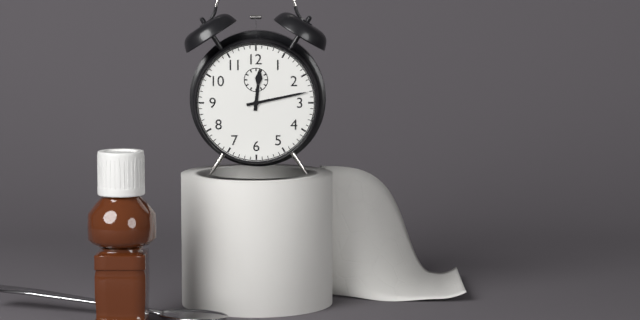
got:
12:13
